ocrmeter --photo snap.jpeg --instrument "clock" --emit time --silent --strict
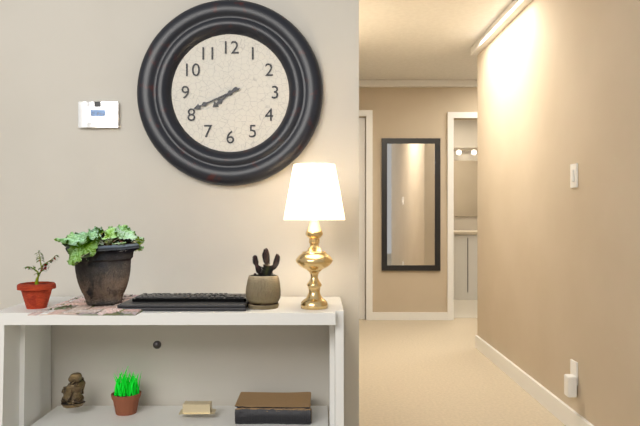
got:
7:41
